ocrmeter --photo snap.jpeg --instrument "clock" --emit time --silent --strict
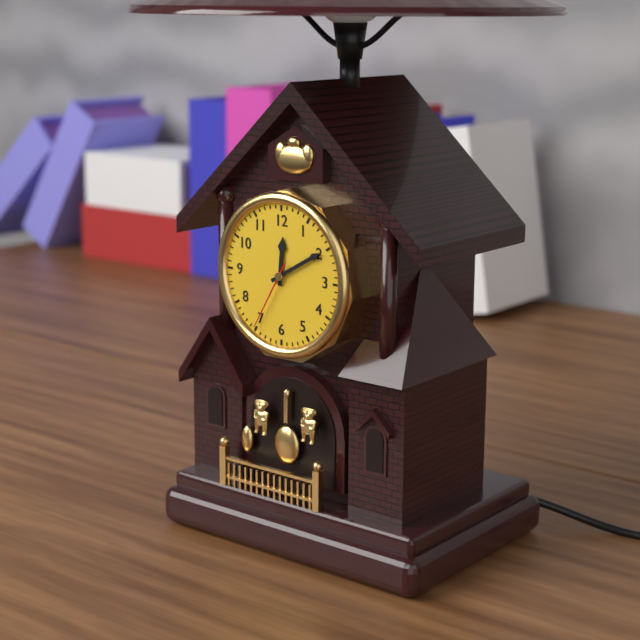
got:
12:10:35
